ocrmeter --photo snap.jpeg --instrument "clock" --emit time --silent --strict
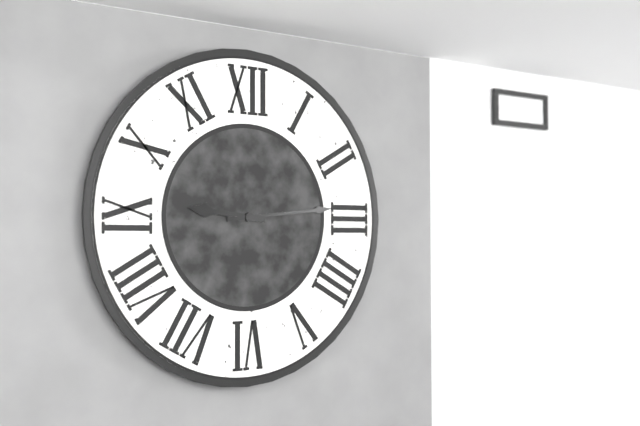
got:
9:14
